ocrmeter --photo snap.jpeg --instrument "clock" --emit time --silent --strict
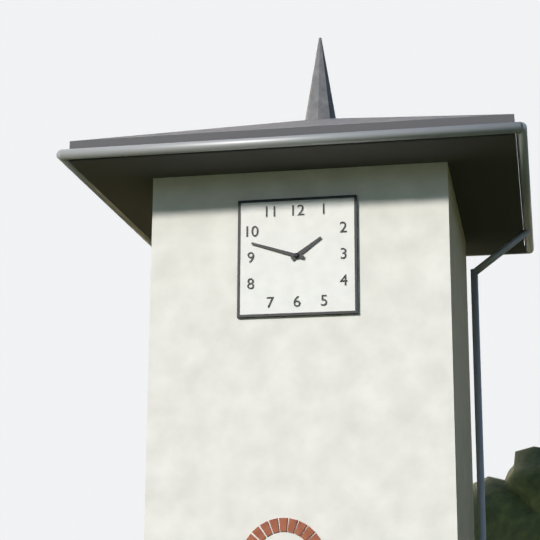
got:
1:48
